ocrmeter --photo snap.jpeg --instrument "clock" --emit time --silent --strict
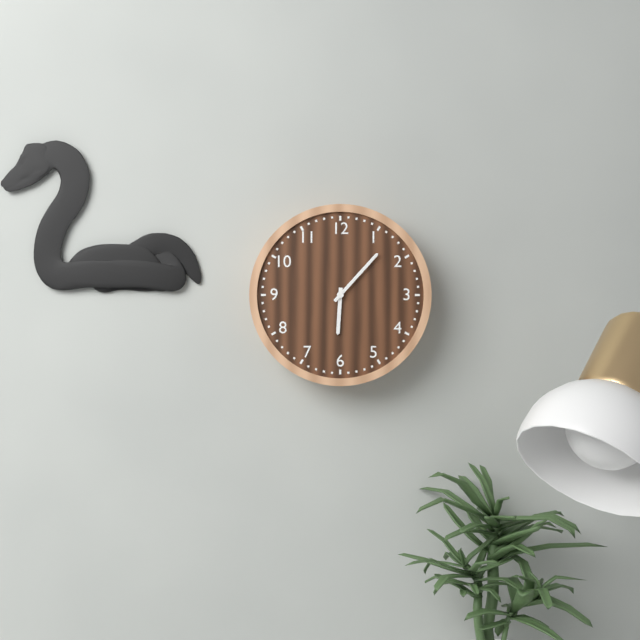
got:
6:07
